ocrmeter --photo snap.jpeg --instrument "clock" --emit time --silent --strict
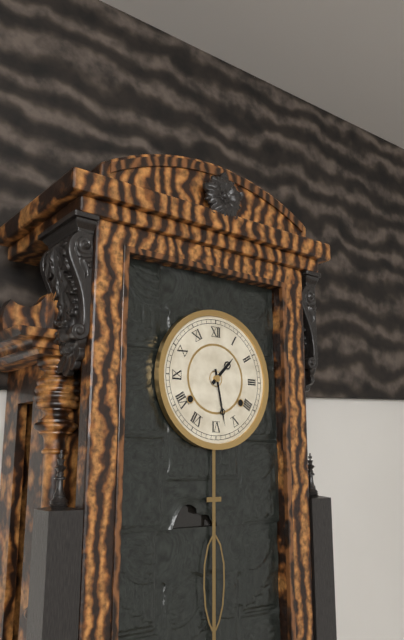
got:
1:28
